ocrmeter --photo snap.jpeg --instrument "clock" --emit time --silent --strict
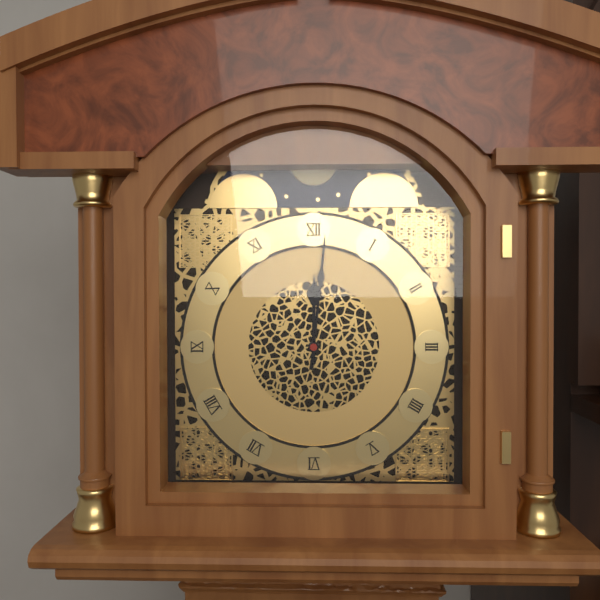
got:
12:01
